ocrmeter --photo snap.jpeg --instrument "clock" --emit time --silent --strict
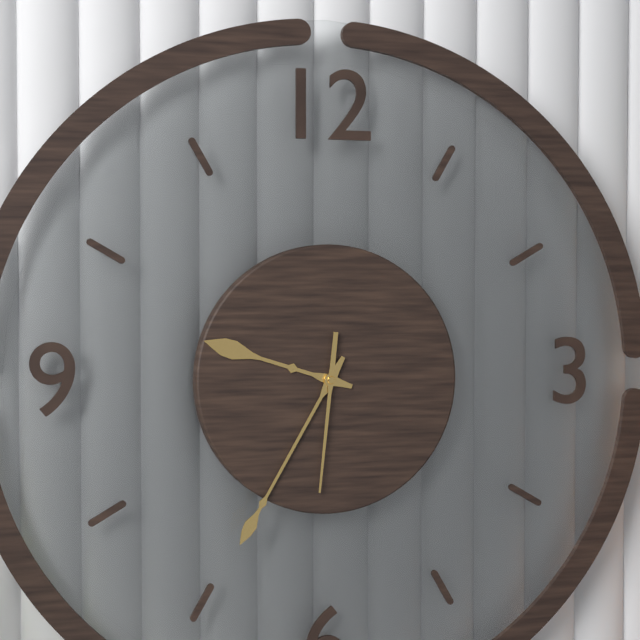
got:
9:35:31
